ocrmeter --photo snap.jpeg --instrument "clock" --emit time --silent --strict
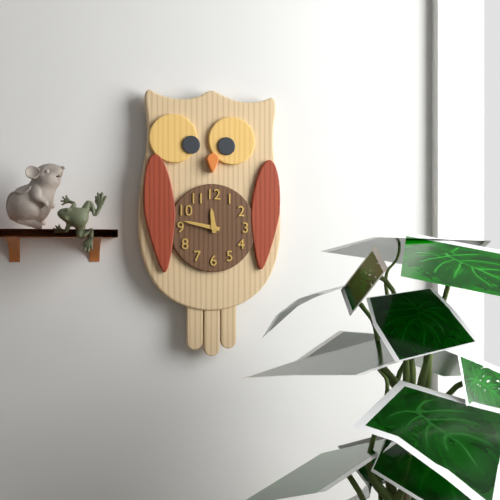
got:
11:47
